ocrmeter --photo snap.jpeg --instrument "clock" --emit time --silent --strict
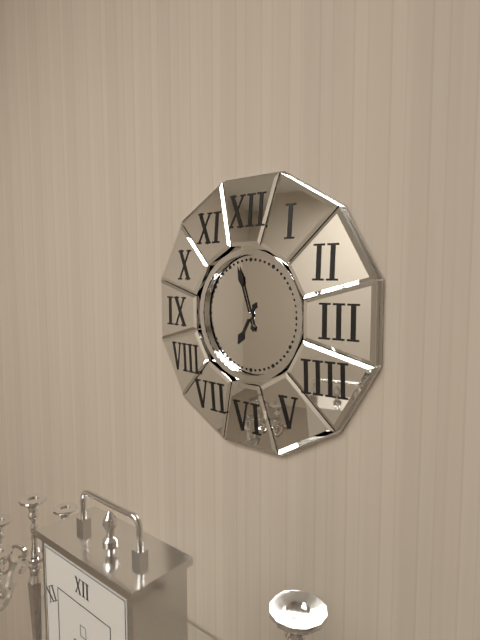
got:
6:57
